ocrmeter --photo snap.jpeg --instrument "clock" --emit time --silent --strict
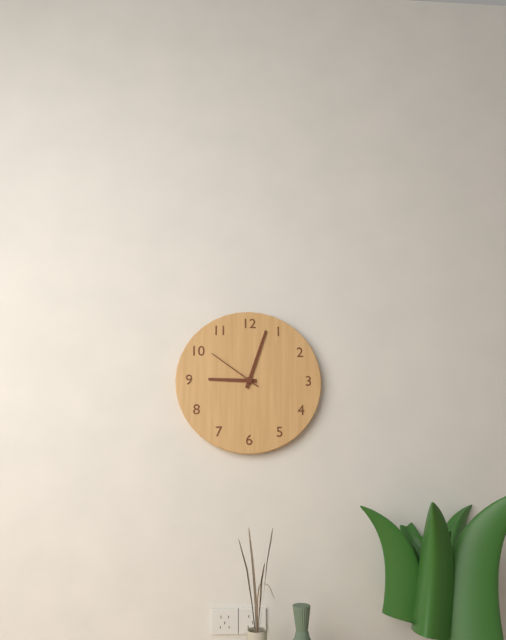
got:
9:03:51
